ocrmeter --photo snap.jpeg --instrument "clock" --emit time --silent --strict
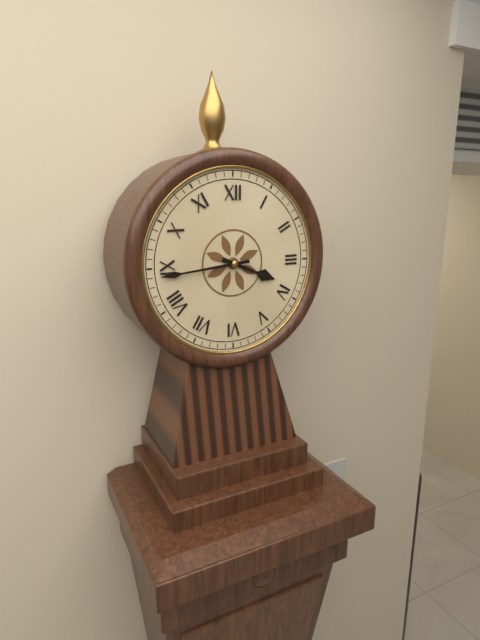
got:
3:44
